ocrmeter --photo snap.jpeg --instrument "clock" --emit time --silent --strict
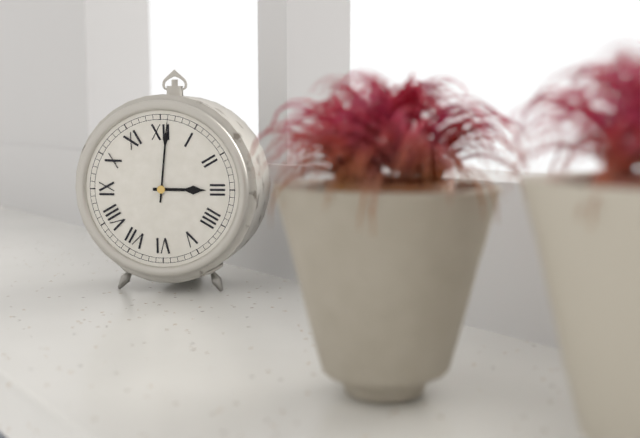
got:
3:01
